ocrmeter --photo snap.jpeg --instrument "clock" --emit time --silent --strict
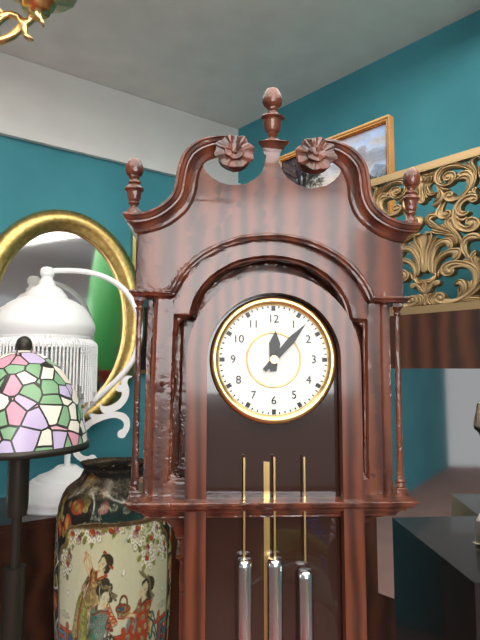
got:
12:07
